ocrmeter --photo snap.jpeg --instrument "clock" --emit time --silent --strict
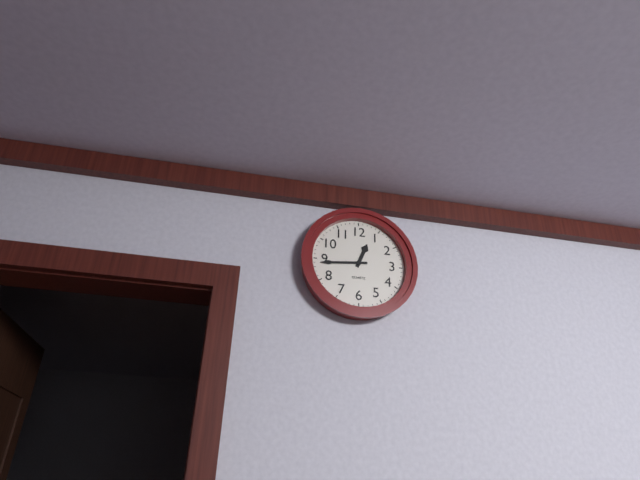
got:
12:44
